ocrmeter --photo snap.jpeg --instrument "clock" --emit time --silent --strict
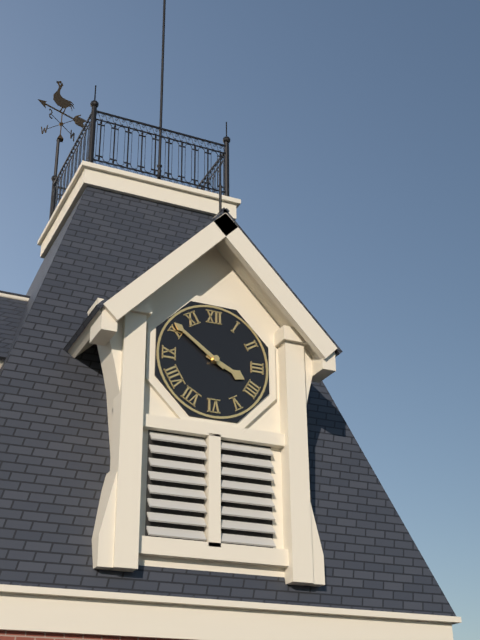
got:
3:51
